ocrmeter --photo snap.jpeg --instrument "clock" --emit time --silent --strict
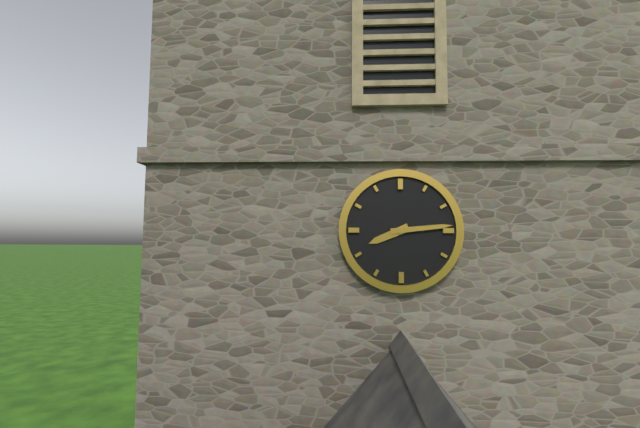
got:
8:14
